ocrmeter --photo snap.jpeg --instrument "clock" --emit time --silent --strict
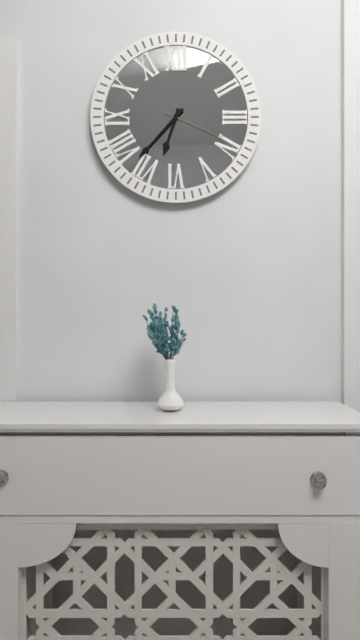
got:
6:37:19
